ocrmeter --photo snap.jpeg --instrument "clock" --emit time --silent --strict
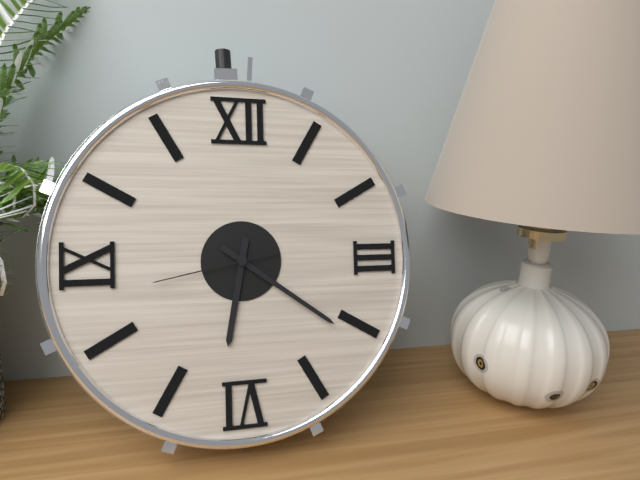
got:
6:21:43
